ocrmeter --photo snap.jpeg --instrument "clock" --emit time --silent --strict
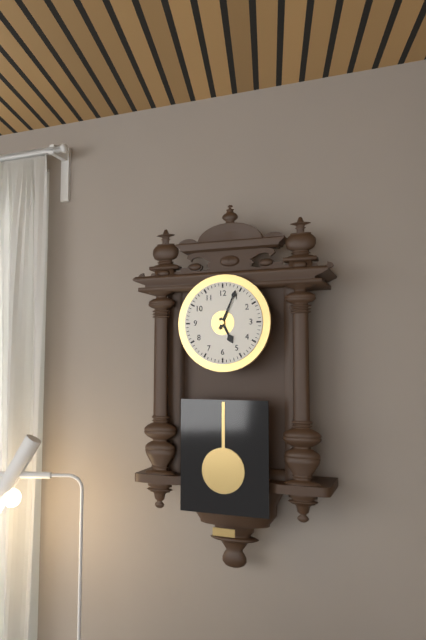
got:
5:04
